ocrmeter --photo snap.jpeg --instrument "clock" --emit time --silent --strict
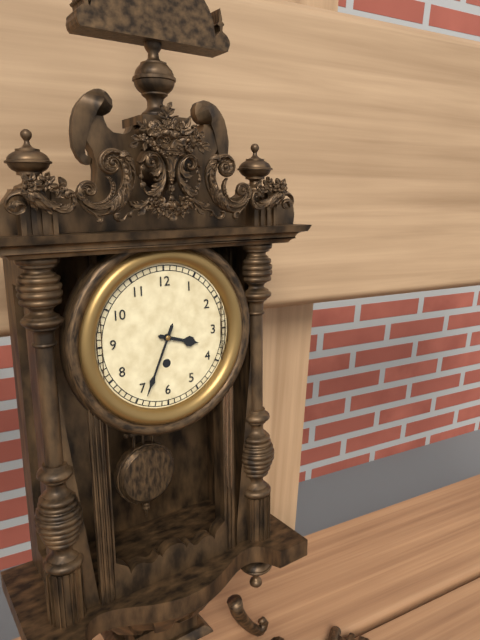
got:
3:34
